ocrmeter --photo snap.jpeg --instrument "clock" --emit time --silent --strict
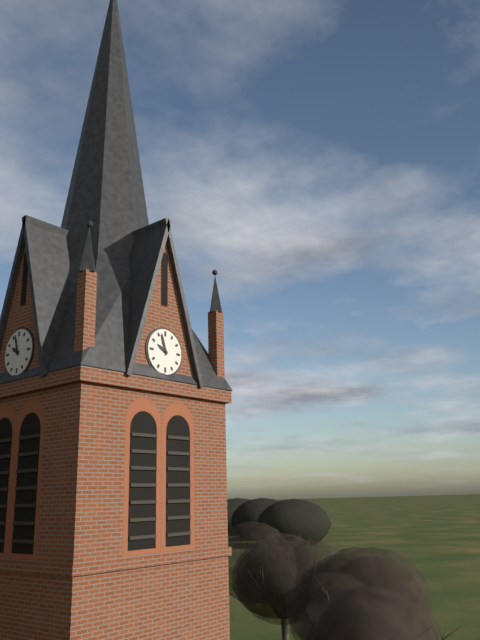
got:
9:57
